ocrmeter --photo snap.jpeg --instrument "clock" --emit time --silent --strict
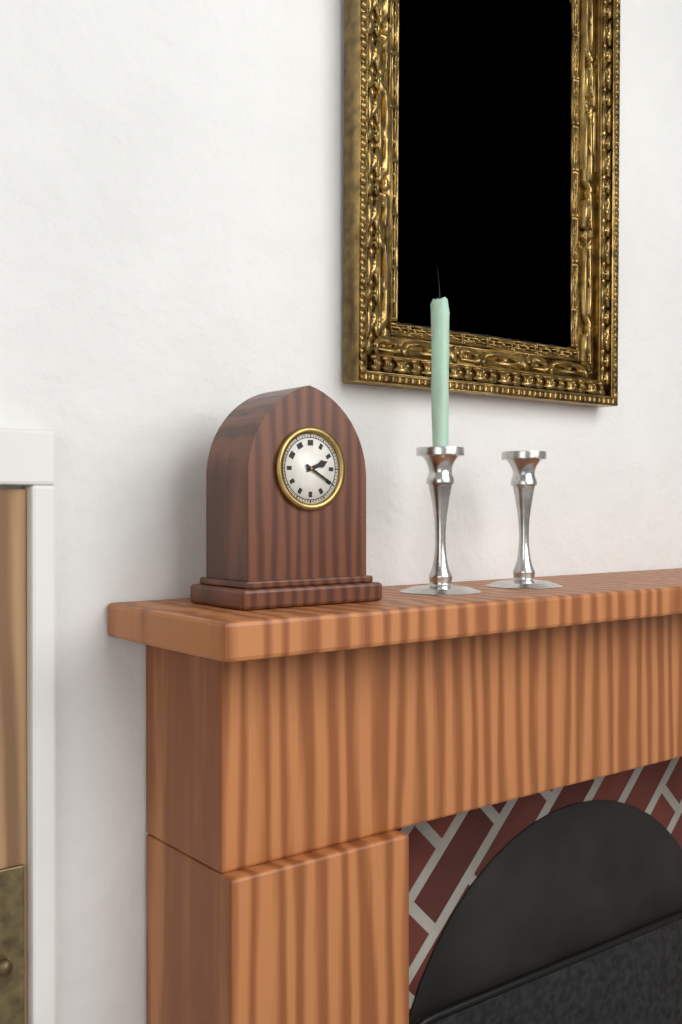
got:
2:20
